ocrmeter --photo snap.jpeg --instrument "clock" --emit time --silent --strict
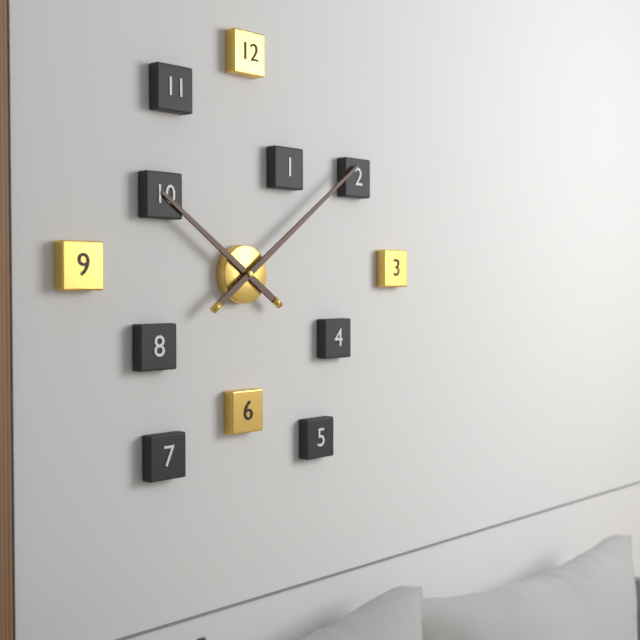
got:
10:09
